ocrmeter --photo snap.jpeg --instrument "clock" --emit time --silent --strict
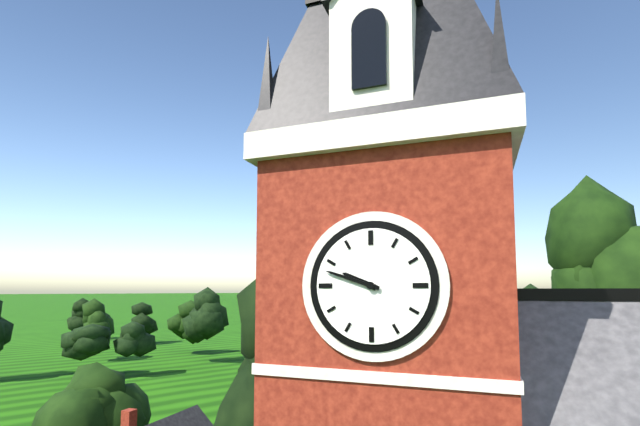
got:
9:48
